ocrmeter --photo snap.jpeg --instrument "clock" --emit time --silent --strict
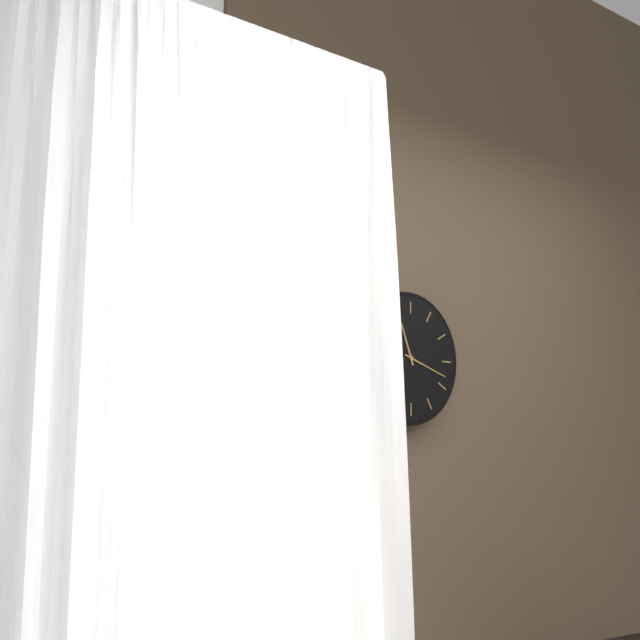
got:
11:18
